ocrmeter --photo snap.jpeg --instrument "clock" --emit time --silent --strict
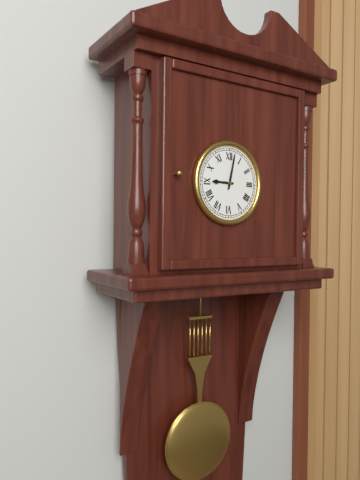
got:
9:02
